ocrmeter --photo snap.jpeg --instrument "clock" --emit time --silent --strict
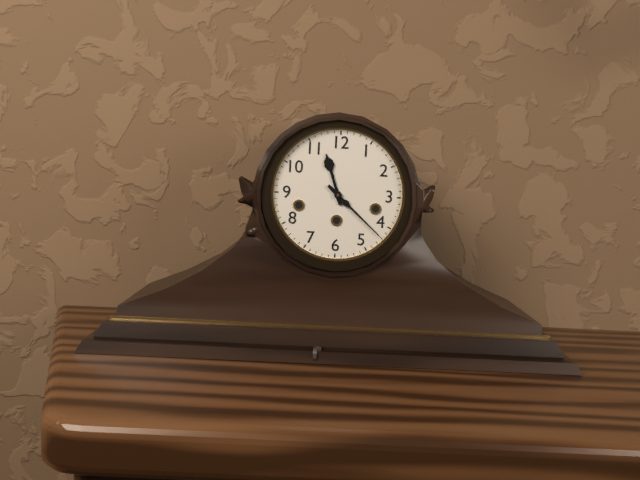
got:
11:22
